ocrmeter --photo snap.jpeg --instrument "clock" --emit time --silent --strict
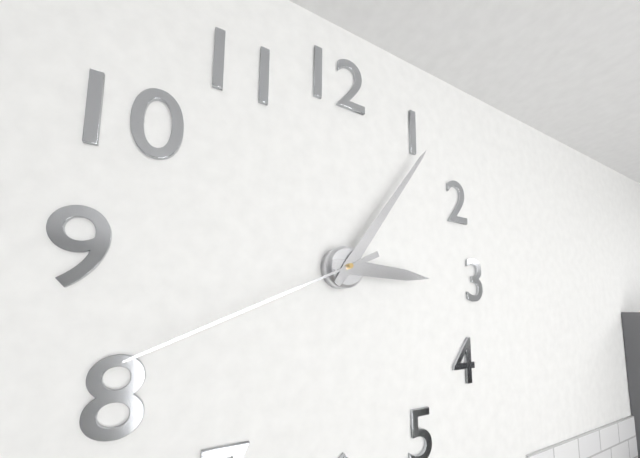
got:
3:06:41
